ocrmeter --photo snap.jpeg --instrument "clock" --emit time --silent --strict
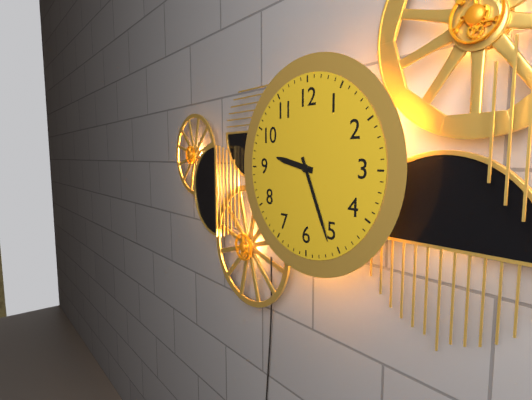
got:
9:26
